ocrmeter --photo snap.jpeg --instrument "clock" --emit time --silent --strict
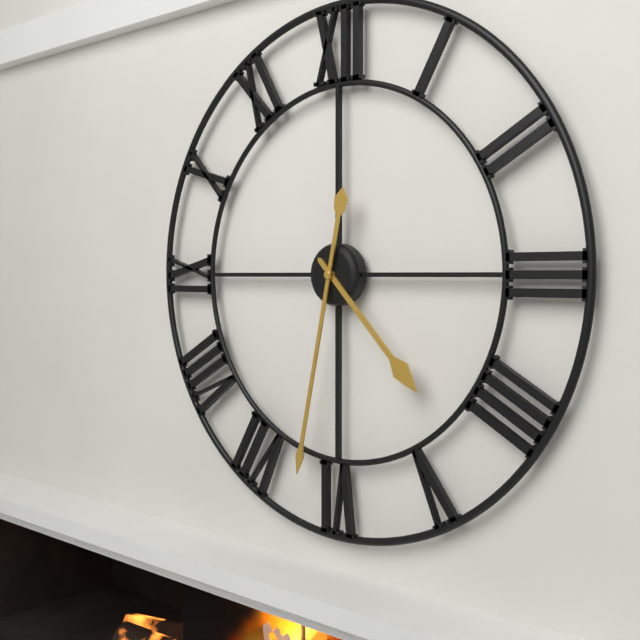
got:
4:32
